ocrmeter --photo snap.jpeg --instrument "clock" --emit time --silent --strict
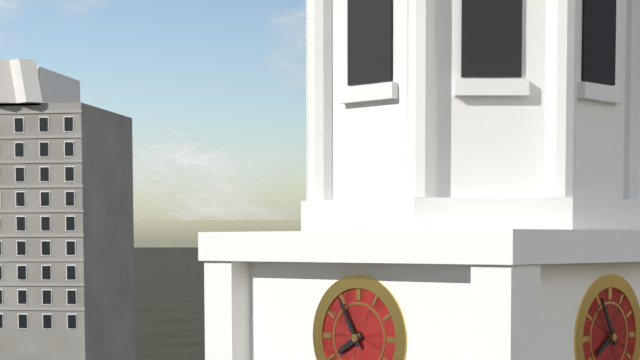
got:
7:55
